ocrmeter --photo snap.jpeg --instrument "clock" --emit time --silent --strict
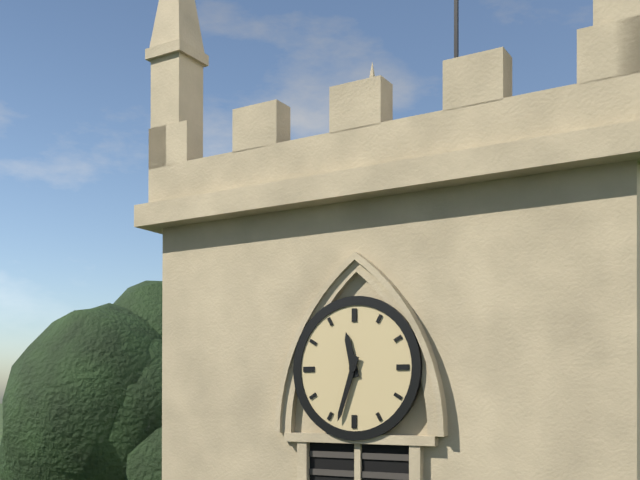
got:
11:33
